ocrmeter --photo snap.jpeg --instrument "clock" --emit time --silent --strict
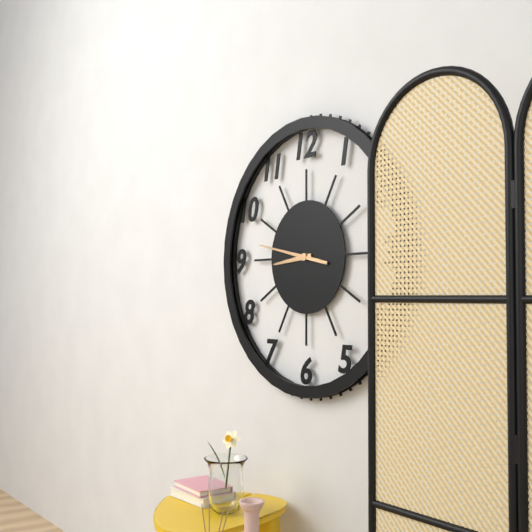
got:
8:47
